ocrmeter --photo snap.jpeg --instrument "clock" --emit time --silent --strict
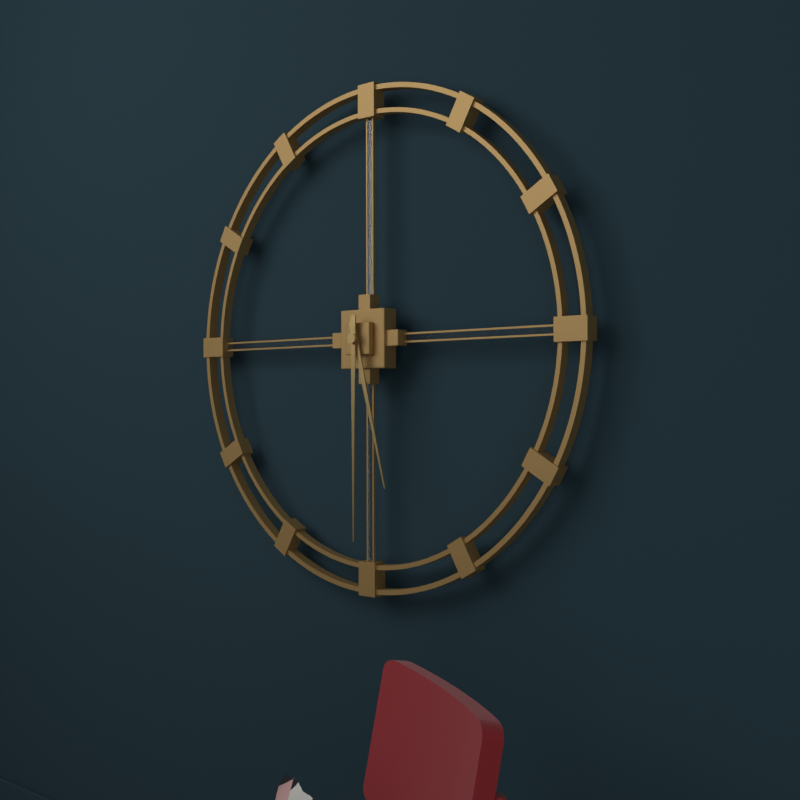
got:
5:30
